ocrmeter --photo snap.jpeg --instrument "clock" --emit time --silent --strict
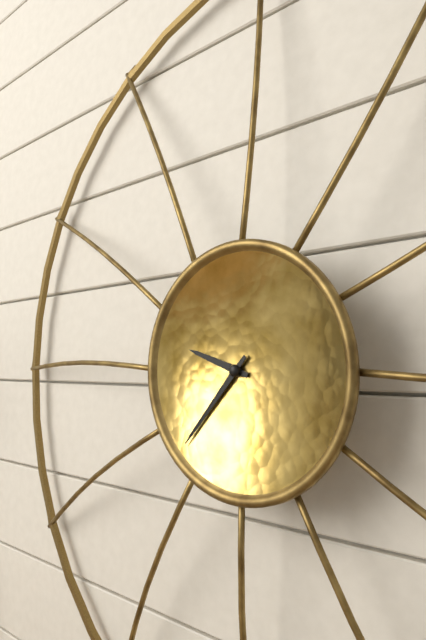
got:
9:37
